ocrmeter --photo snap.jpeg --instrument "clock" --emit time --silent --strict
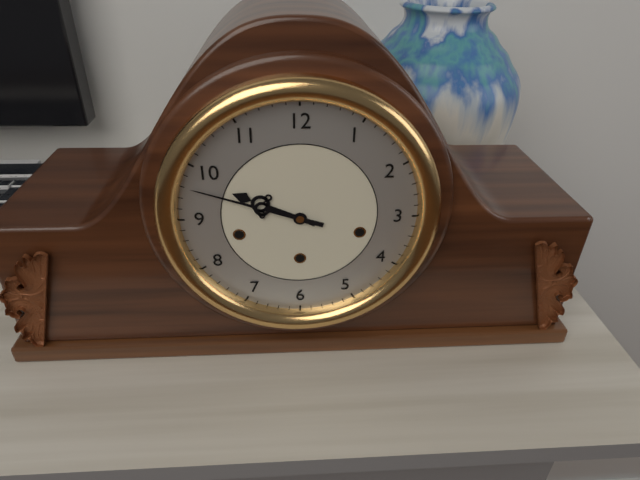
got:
9:48
